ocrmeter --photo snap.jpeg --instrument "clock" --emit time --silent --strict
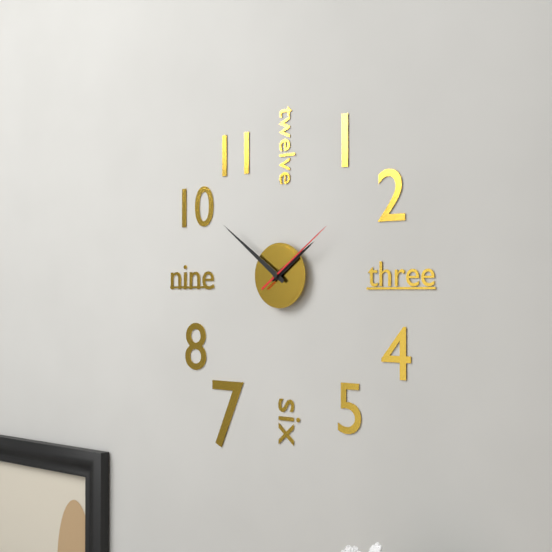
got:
1:51:09
